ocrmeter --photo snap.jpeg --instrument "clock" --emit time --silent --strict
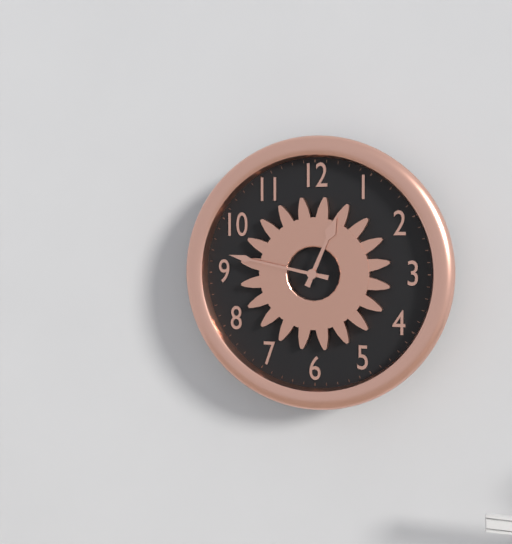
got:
12:47
